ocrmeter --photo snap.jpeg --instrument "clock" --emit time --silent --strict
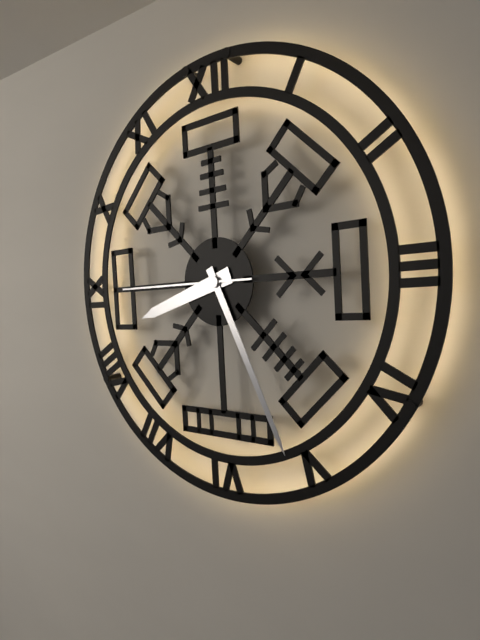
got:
8:26:45
